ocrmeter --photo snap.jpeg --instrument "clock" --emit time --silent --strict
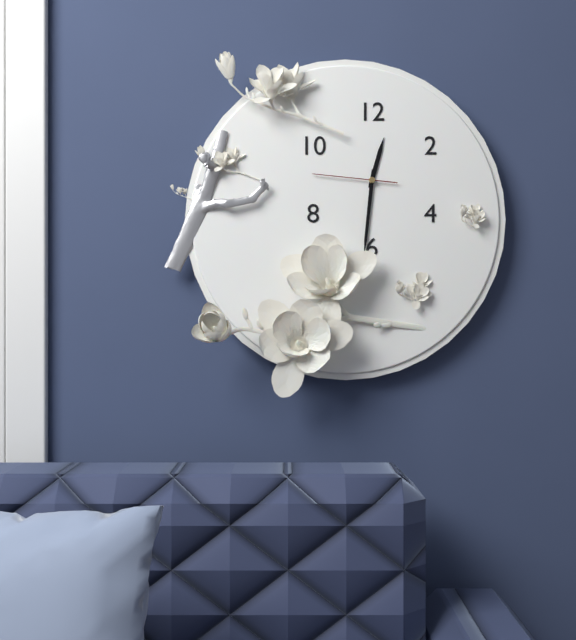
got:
12:31:46
